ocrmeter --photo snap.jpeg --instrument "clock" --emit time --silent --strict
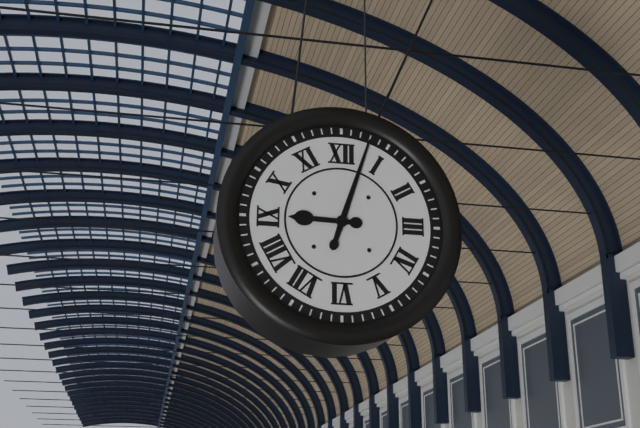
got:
9:03
